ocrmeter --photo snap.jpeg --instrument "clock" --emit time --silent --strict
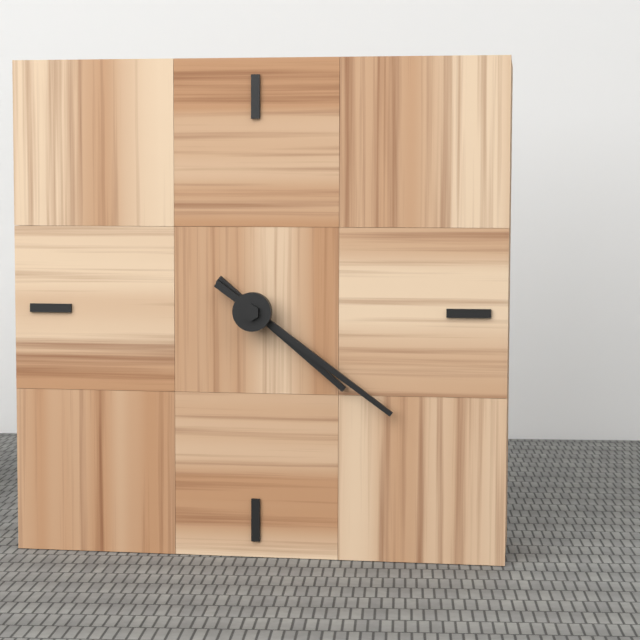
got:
4:21
